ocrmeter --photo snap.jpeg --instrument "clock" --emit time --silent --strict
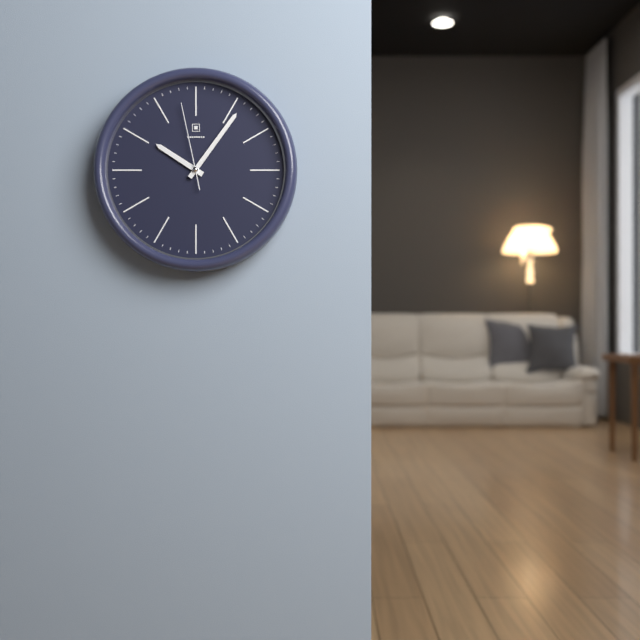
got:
10:06:58
